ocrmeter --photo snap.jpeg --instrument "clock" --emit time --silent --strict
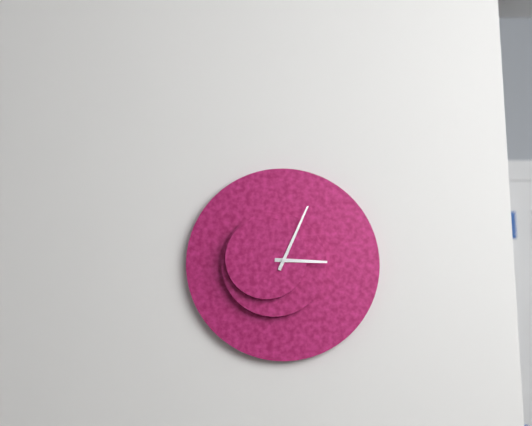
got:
3:04
